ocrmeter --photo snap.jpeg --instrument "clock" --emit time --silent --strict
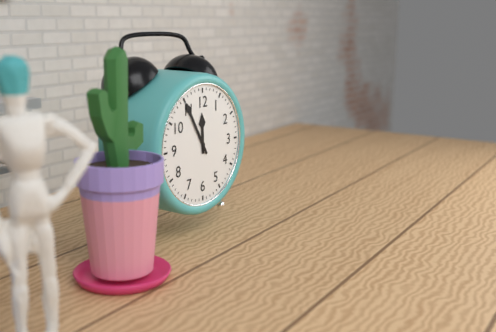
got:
11:55
